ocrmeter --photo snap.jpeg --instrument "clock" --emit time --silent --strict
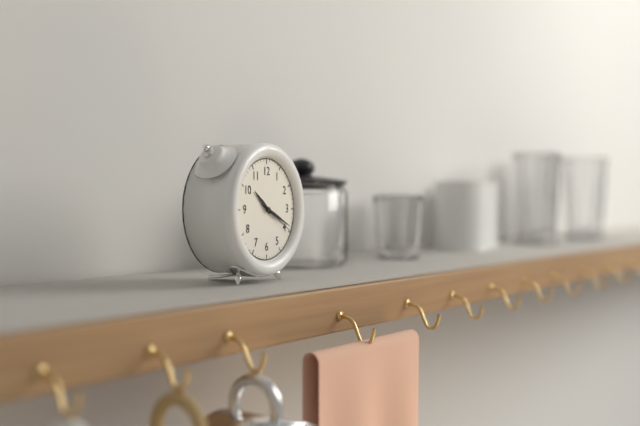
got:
10:19
